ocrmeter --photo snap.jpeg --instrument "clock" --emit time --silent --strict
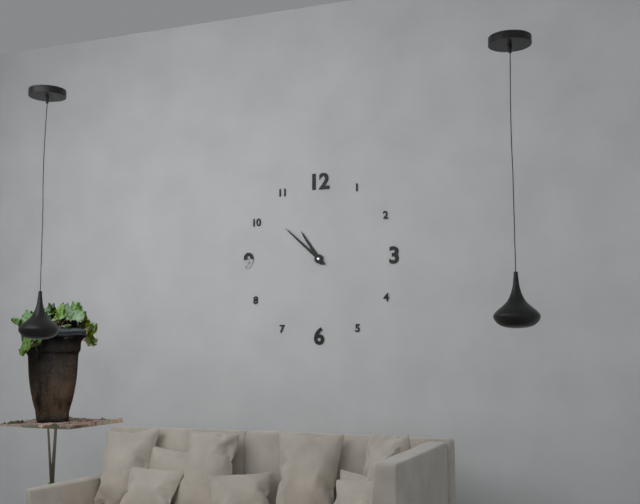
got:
10:52
